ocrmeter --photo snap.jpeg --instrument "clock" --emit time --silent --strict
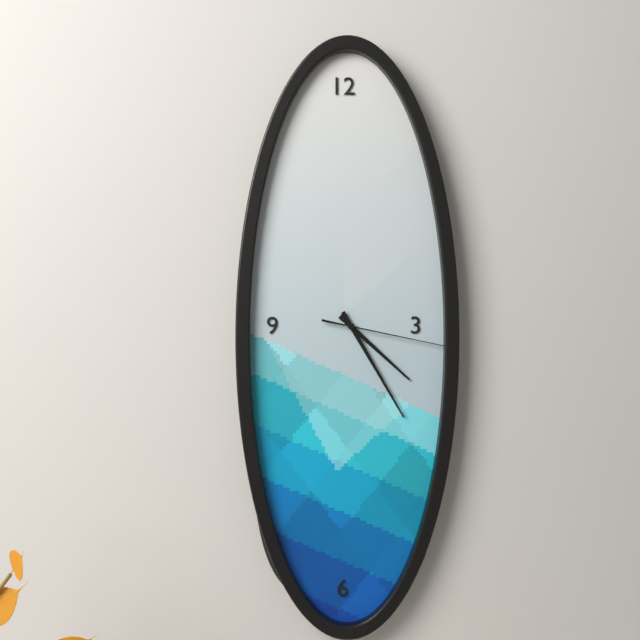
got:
4:25:17
